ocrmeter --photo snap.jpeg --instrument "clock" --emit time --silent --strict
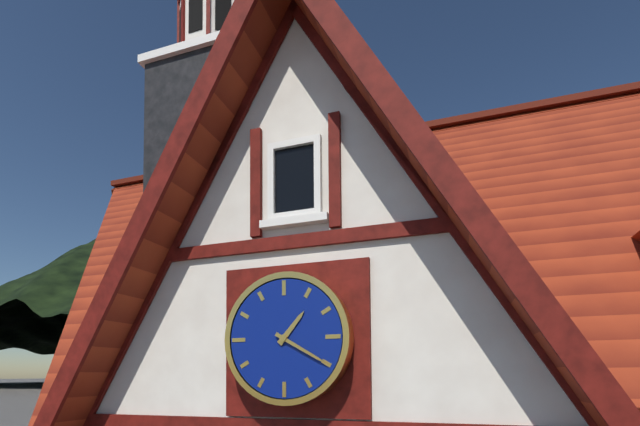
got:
1:20
